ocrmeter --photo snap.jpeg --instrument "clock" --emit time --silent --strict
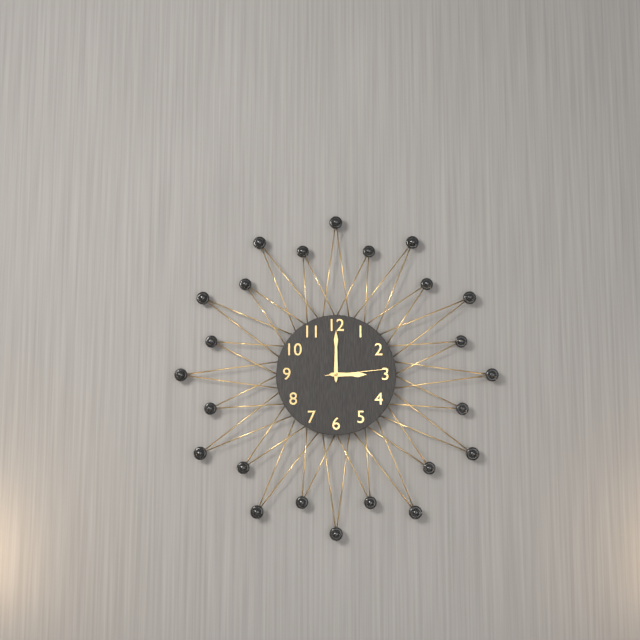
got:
3:00:14
